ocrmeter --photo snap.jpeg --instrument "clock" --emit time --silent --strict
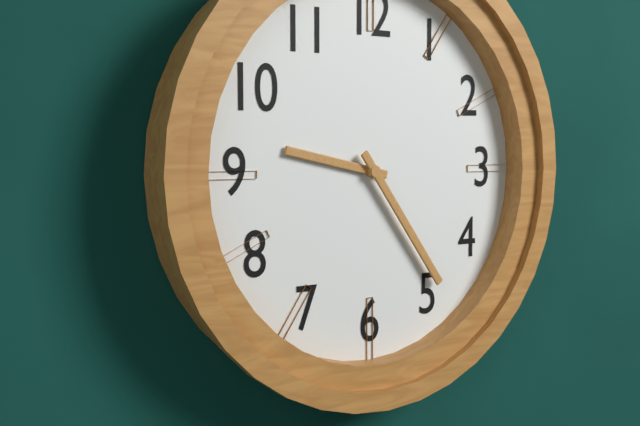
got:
9:24
